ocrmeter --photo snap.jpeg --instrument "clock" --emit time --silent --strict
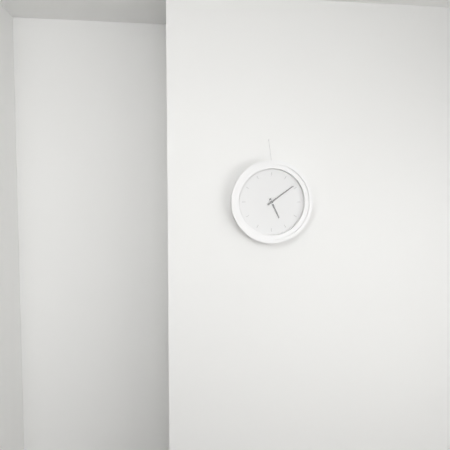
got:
5:09
